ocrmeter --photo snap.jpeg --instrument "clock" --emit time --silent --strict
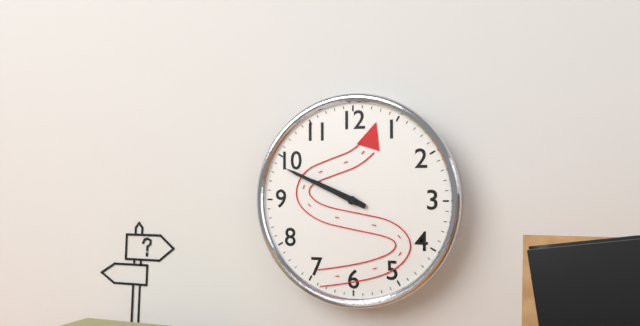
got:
9:49
